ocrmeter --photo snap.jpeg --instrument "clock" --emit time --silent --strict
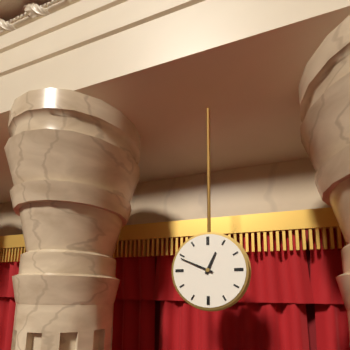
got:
12:49
